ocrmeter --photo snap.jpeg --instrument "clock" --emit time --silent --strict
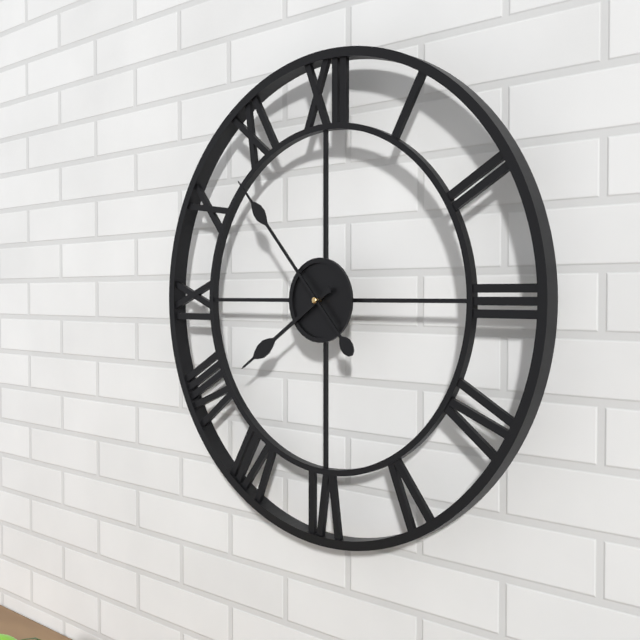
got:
7:53
